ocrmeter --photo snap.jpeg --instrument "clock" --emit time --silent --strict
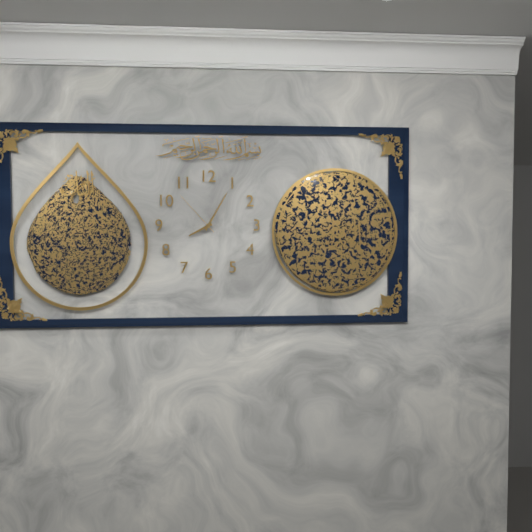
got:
8:05:53
